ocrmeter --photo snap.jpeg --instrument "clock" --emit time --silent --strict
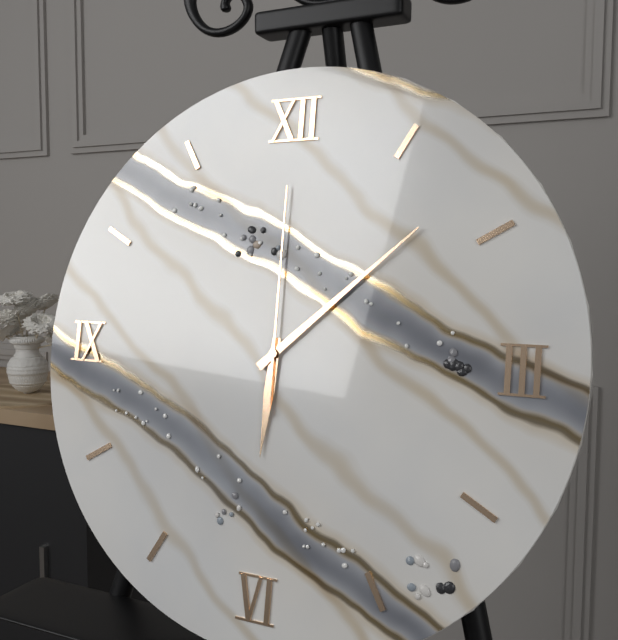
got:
6:08:00
